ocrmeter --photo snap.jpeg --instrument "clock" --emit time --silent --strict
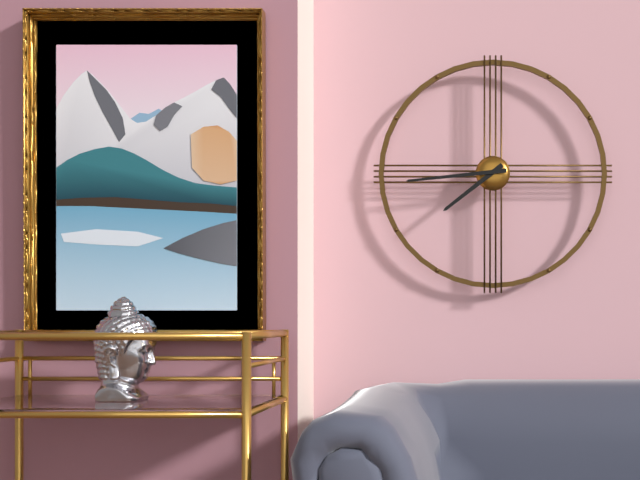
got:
7:44
